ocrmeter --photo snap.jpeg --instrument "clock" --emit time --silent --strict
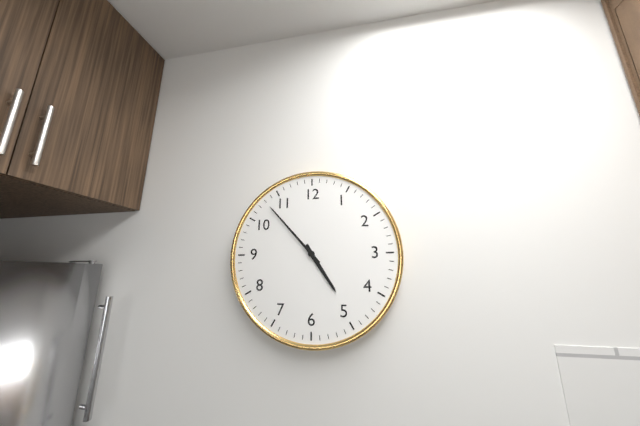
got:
4:53
